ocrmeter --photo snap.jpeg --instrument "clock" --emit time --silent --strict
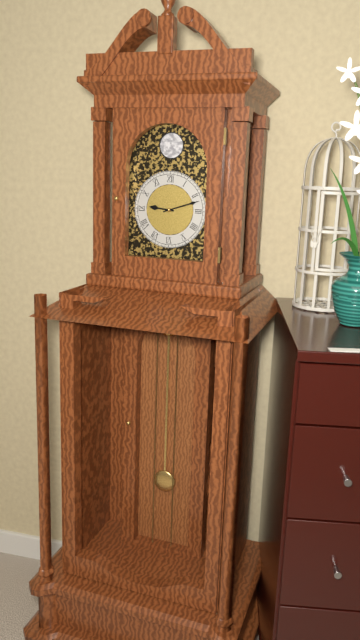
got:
9:12
